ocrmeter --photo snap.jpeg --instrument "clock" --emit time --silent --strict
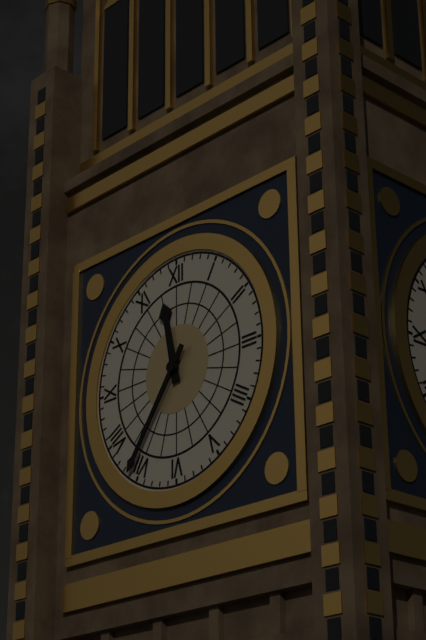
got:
11:36
